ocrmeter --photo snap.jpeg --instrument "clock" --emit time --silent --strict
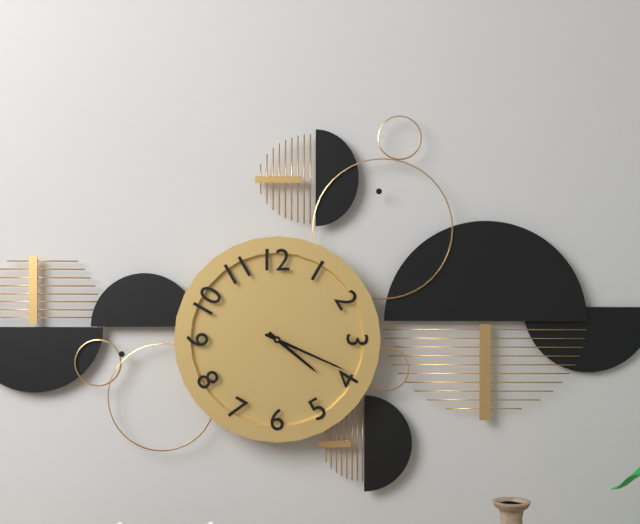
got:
4:19
